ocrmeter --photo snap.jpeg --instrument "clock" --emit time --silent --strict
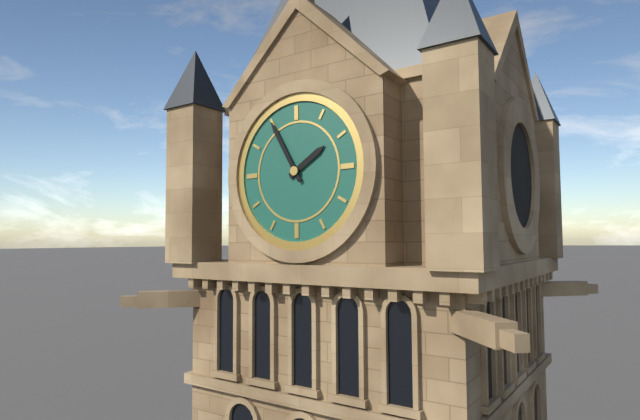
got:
1:55
